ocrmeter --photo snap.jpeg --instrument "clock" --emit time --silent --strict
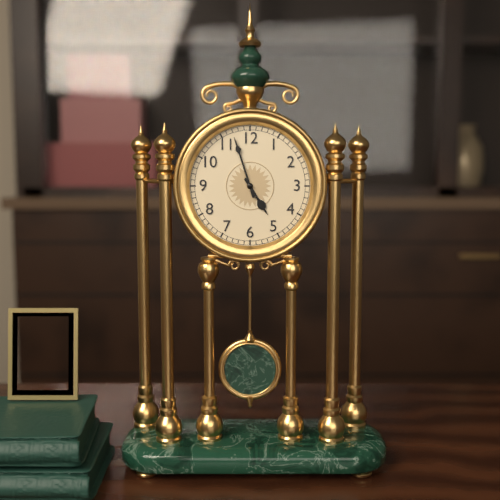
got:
4:57
